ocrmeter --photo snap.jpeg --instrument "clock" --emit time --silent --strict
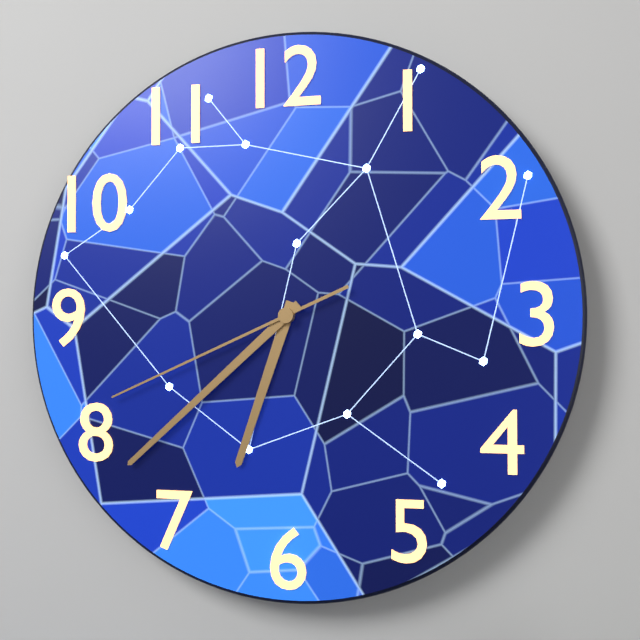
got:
6:38:41
